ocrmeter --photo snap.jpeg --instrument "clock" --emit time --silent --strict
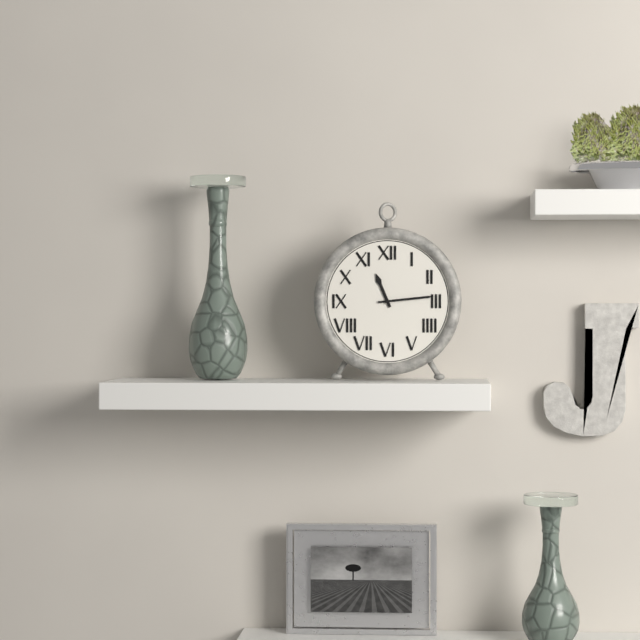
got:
11:14
